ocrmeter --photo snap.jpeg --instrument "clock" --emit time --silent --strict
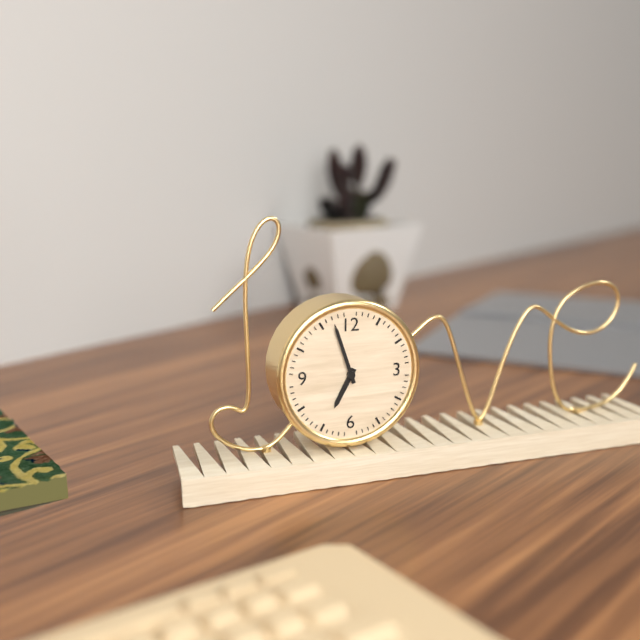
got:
6:57
